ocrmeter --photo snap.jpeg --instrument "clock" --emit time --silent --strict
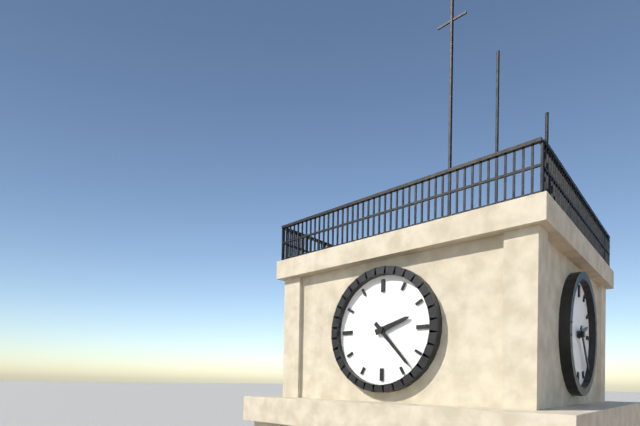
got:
2:23
